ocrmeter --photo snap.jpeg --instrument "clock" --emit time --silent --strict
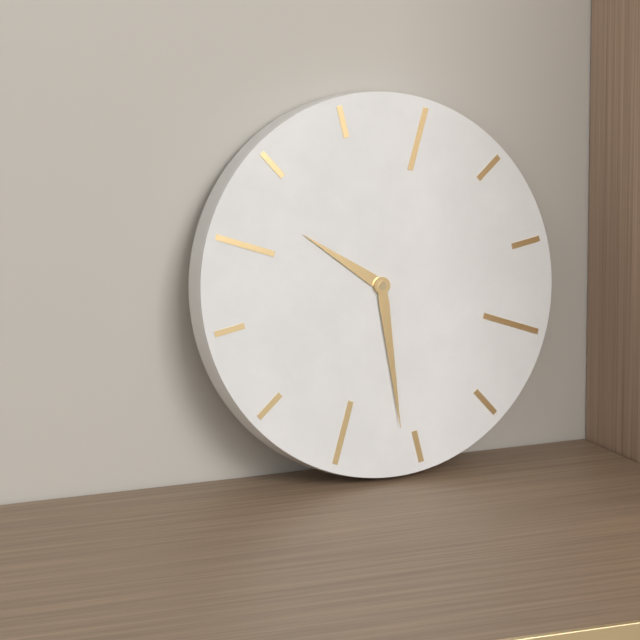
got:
10:31
